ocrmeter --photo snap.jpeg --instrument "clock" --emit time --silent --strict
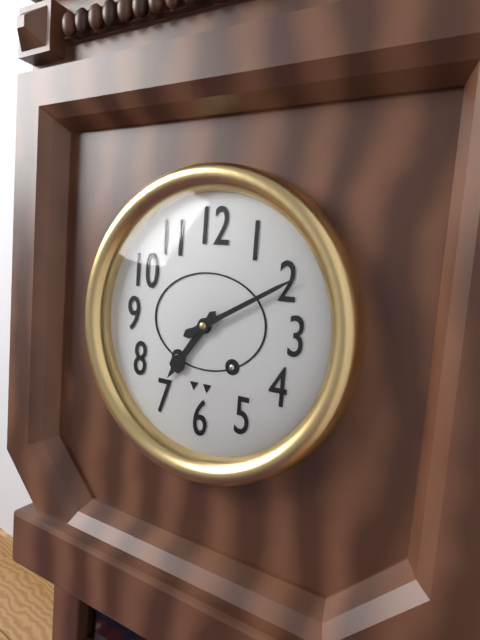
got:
7:10
